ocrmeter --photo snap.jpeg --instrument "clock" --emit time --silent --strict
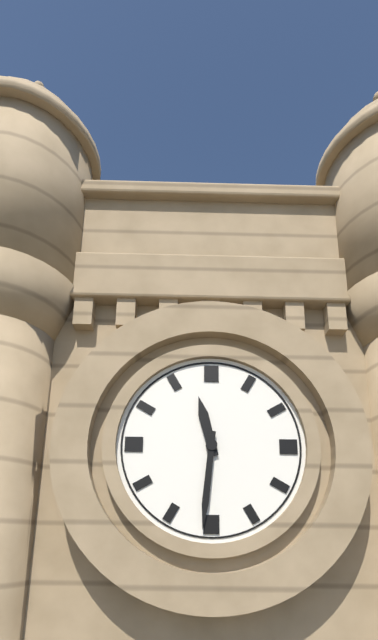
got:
11:31
